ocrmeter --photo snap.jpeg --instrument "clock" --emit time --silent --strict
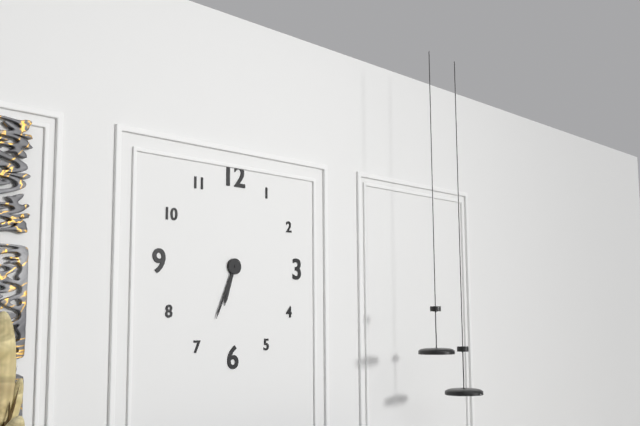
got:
6:34
